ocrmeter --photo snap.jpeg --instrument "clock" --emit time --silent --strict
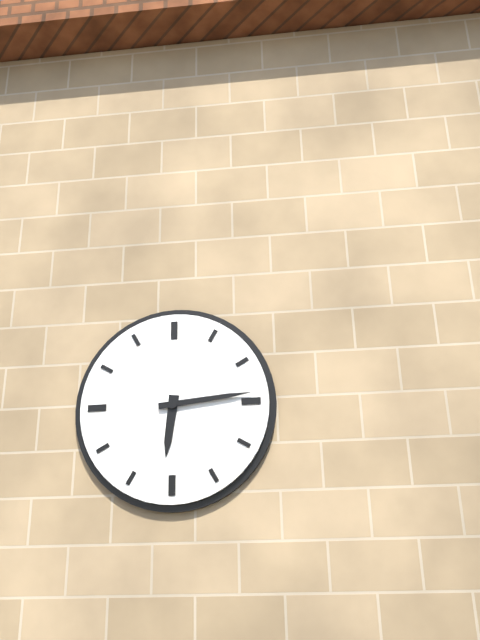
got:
6:14
